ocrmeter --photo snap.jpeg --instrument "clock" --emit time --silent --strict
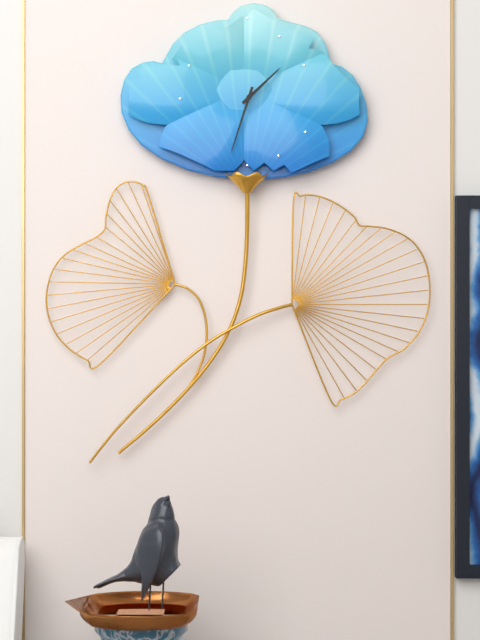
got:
1:33
